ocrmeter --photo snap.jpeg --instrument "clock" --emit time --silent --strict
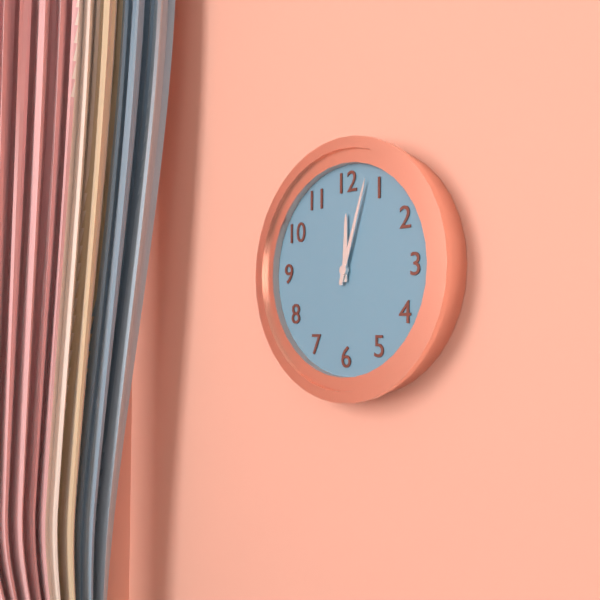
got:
12:03
